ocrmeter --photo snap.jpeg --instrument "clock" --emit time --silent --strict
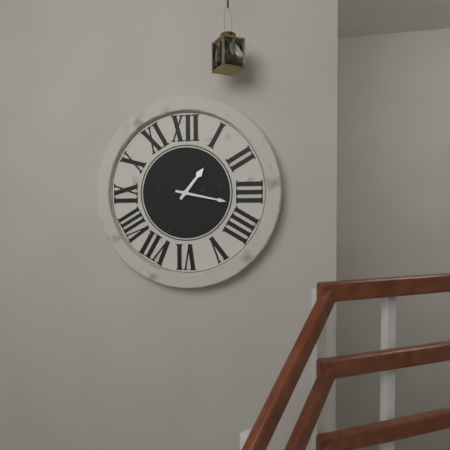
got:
1:17
